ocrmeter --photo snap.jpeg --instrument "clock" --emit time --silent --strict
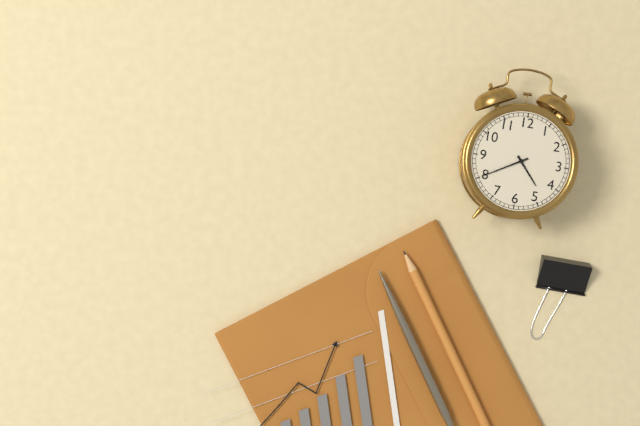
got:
4:40
